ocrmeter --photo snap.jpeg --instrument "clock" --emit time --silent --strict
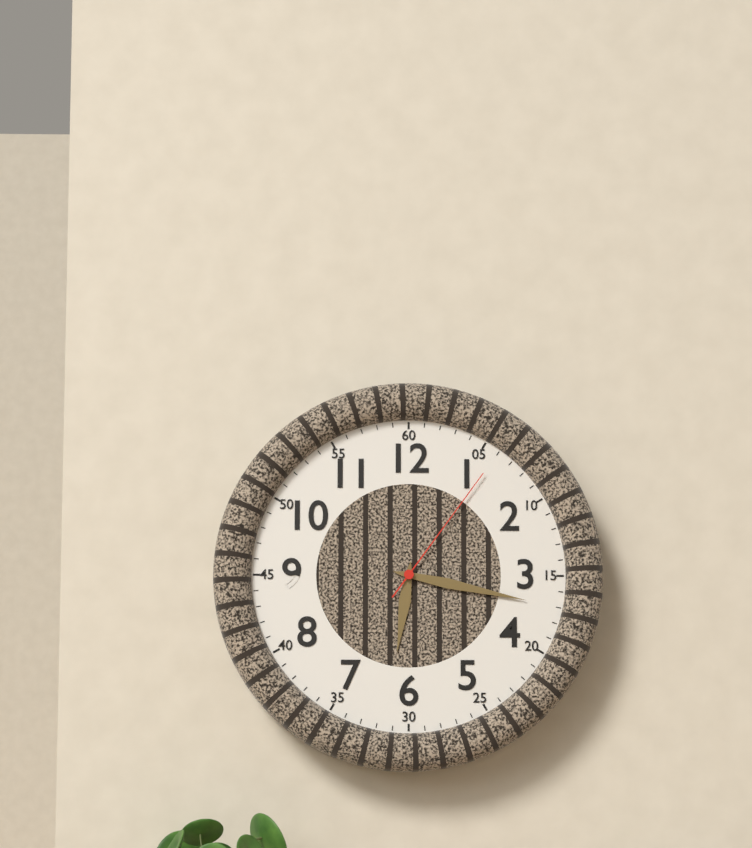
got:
6:17:06
